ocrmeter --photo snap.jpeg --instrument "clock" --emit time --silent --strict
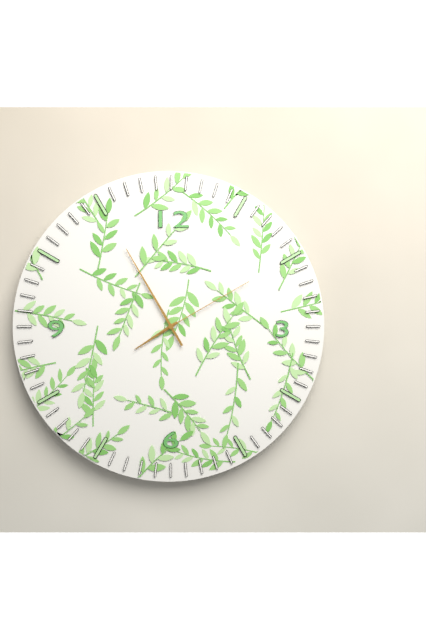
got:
7:55:10
